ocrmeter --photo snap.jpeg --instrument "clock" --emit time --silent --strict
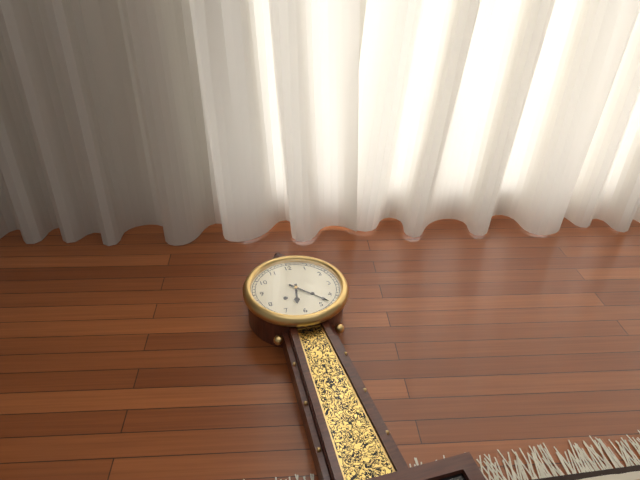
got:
6:23
